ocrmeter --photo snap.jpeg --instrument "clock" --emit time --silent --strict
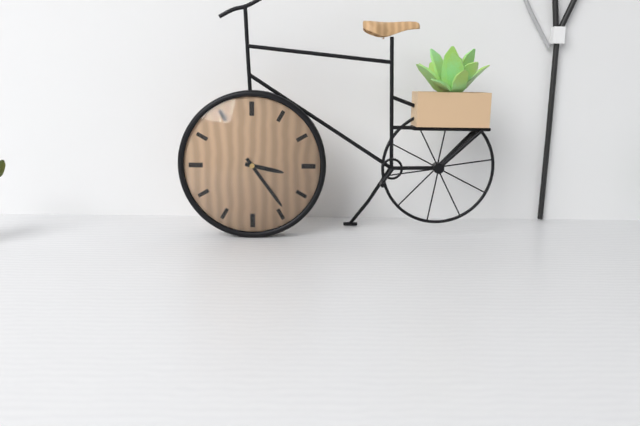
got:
3:24
